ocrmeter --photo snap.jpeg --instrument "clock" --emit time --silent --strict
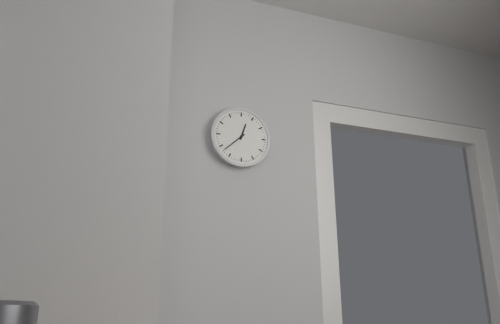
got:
12:38
